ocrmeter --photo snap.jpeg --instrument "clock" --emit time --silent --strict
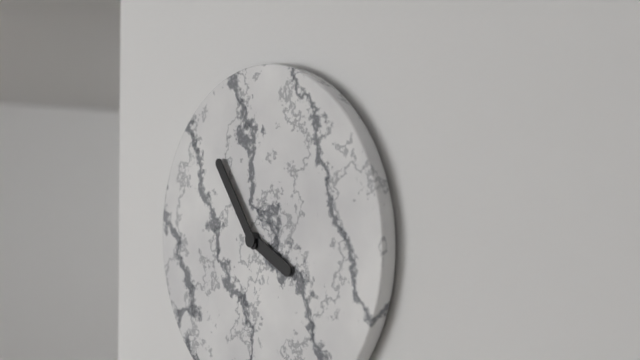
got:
3:54
